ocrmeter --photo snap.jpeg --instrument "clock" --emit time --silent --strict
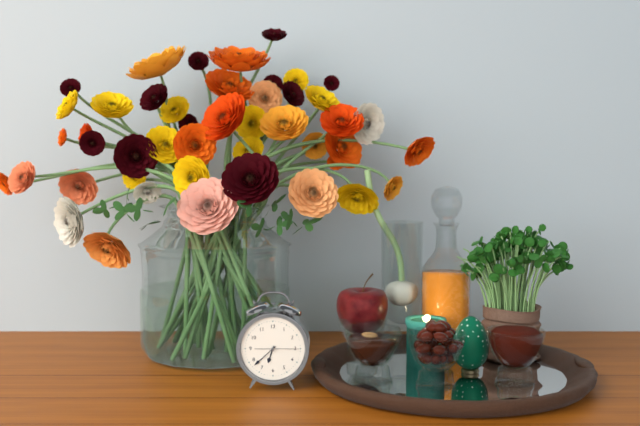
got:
6:38
